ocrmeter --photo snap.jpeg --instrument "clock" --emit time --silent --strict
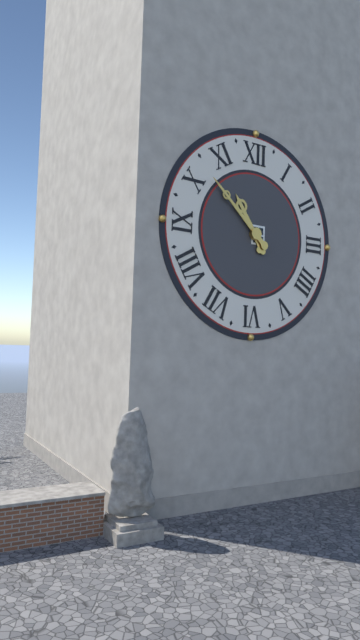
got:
10:52
